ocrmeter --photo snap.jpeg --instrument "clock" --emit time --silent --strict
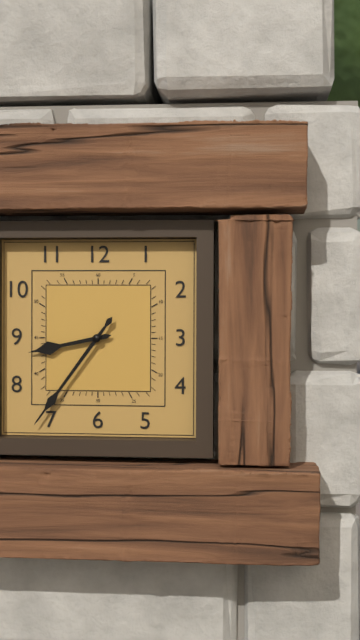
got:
8:36
